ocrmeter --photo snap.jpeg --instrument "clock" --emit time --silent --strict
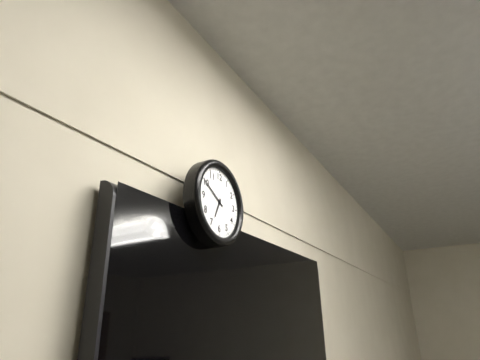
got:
6:50
